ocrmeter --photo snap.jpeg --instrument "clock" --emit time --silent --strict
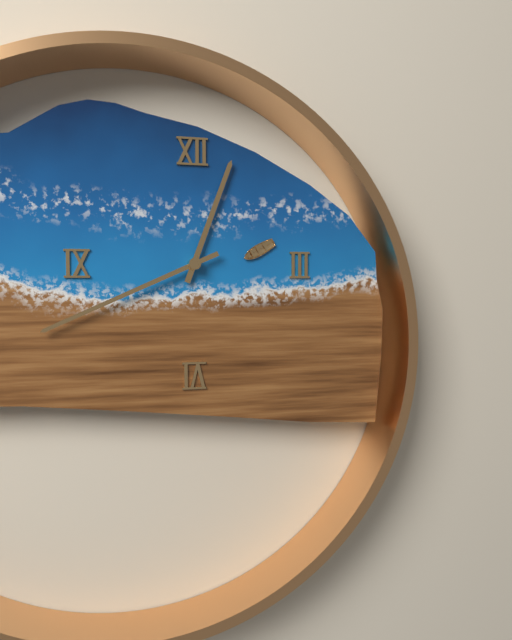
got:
12:41
